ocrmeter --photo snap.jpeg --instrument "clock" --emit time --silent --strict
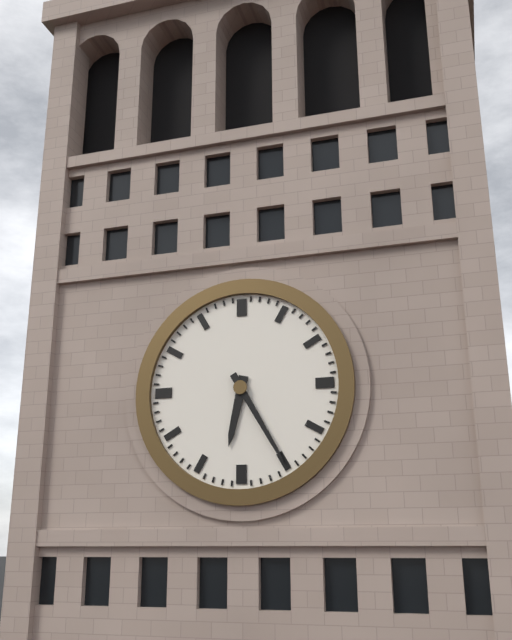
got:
6:25
